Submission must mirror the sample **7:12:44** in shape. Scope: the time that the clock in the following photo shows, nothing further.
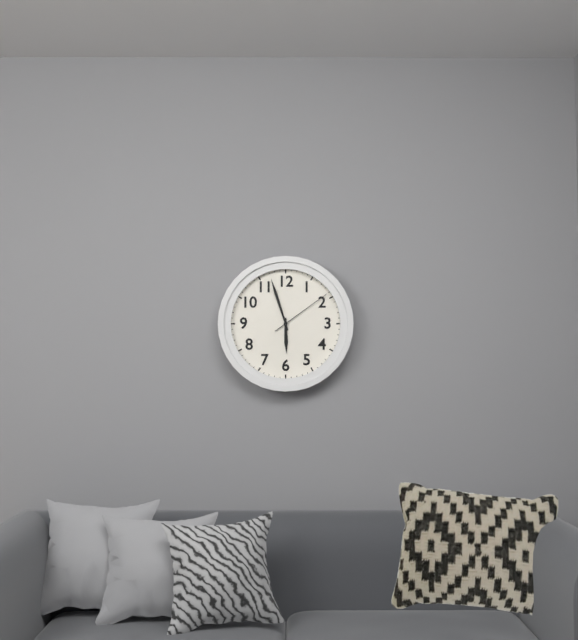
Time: **5:57:09**
